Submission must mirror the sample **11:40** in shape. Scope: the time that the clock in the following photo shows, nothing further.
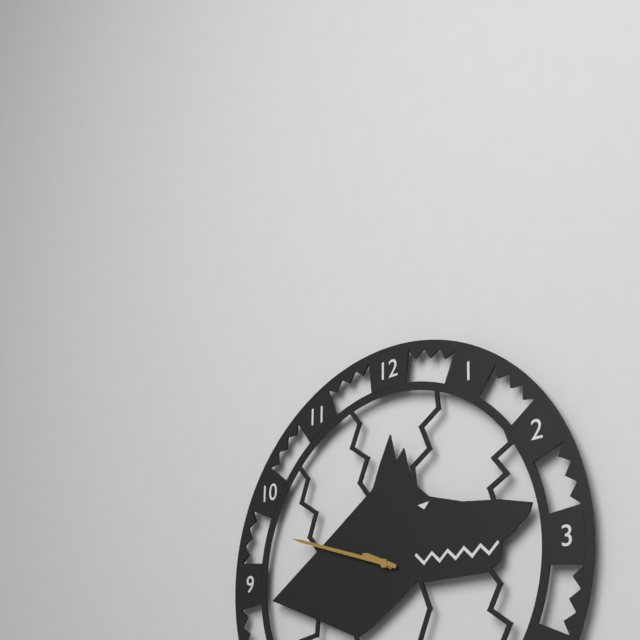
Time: **9:48**
